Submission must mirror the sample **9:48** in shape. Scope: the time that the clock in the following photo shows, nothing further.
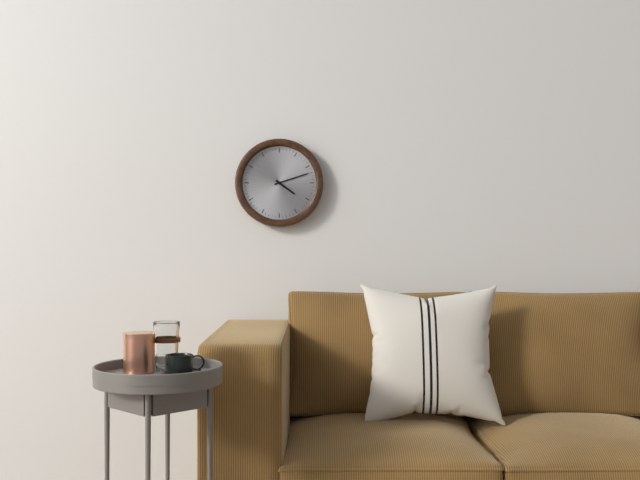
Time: **4:12**
